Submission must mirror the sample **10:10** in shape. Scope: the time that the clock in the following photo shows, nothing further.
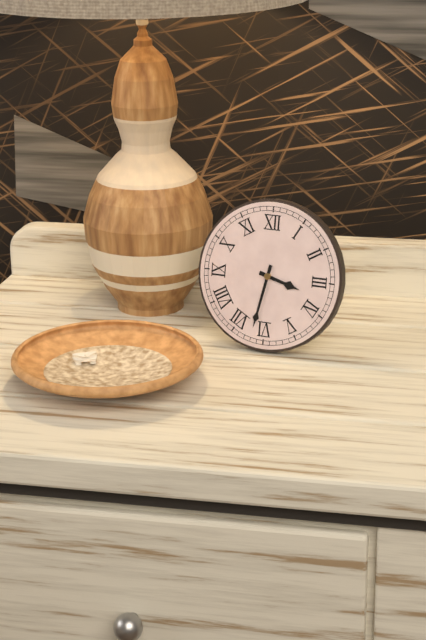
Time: **3:32**
